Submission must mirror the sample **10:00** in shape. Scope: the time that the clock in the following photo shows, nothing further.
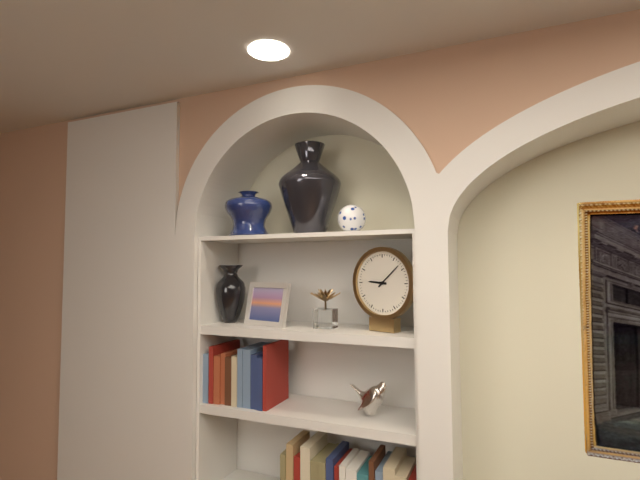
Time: **9:08**
